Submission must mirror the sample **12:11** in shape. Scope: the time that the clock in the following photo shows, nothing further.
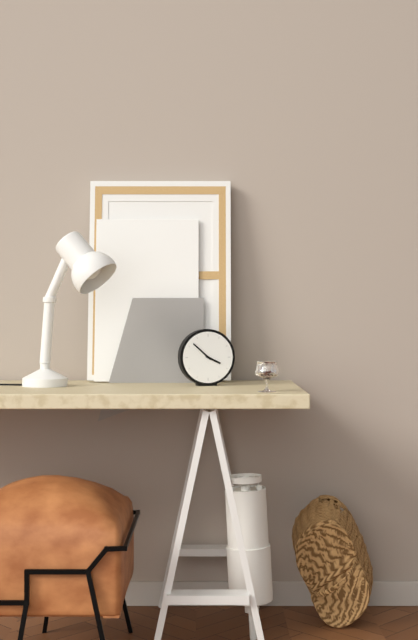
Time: **3:52**
